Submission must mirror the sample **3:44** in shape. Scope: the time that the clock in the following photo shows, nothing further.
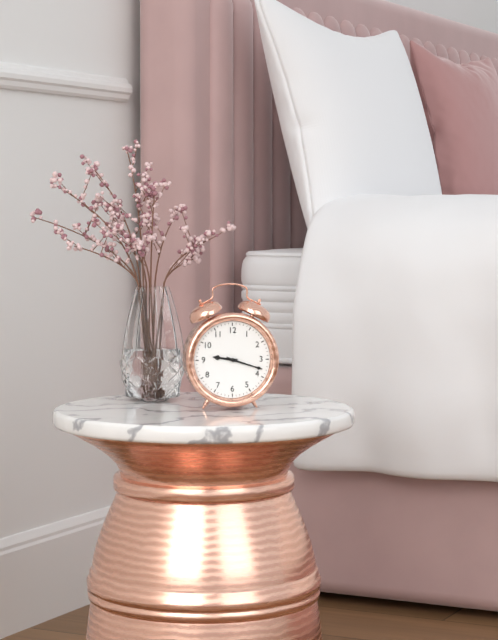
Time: **9:18**
